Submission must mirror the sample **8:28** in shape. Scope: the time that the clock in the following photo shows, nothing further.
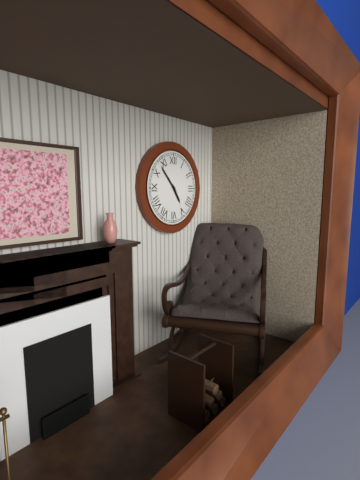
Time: **4:53**
